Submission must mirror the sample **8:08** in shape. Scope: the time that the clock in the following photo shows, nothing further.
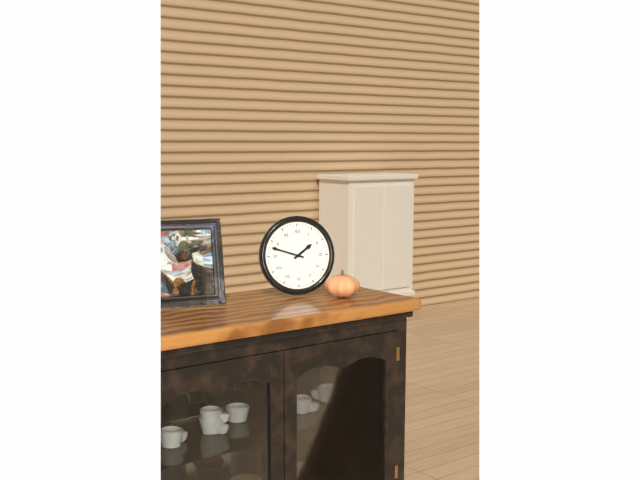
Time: **1:48**
